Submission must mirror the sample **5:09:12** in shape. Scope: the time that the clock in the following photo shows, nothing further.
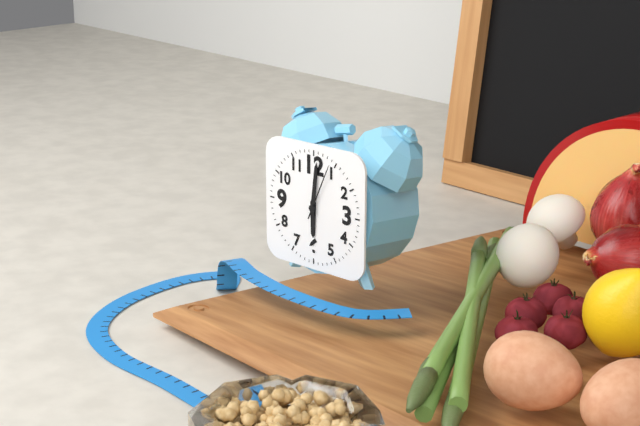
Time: **6:01:04**
